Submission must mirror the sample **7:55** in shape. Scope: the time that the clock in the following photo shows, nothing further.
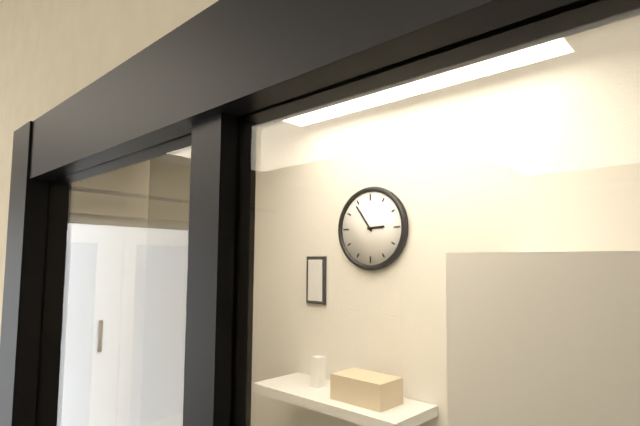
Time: **2:54**
